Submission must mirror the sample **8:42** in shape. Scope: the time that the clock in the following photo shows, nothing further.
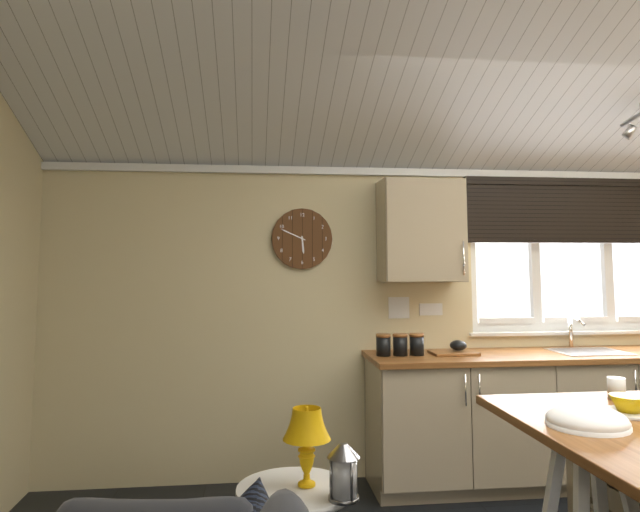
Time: **5:49**
